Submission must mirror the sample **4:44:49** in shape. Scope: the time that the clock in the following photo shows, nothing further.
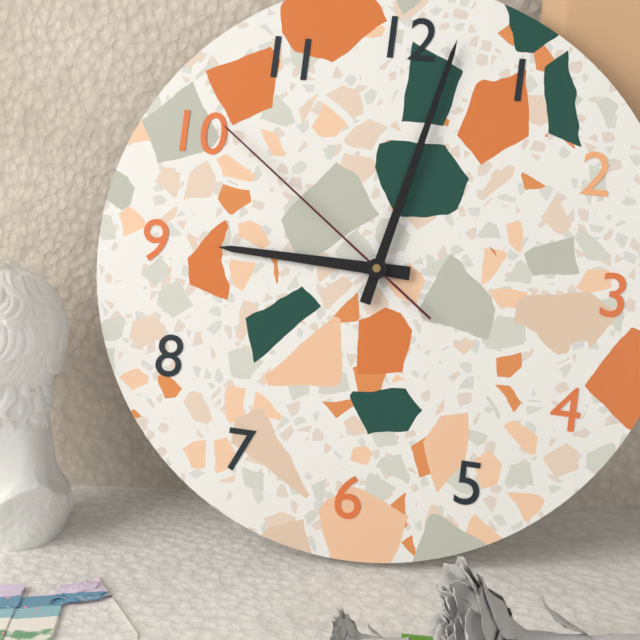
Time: **9:02:51**
